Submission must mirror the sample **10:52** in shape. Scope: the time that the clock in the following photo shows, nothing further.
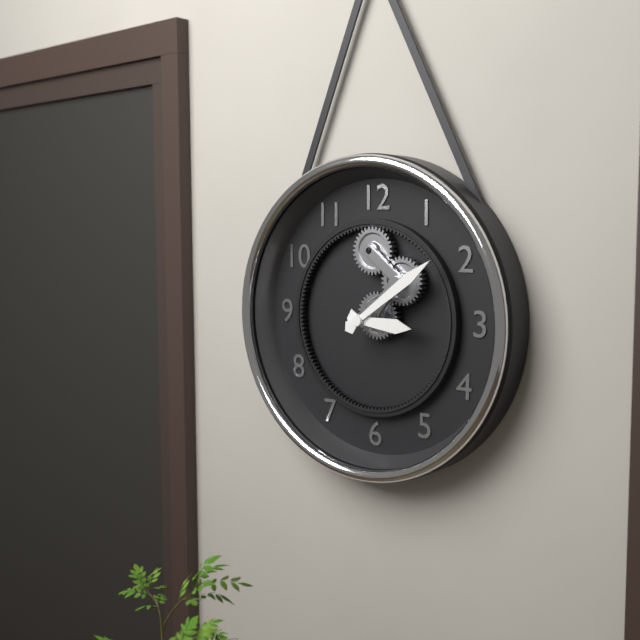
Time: **3:09**
